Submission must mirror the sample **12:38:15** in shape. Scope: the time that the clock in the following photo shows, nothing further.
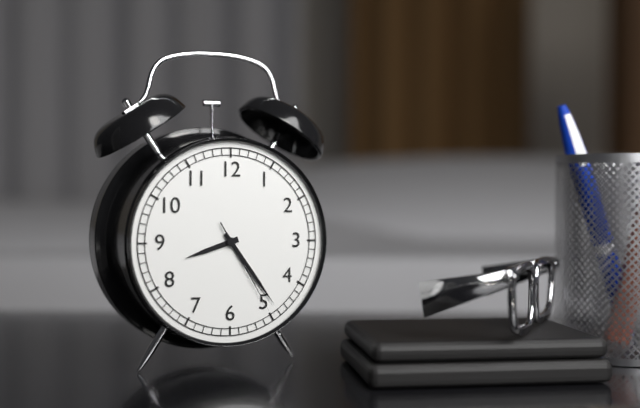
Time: **8:24:25**
